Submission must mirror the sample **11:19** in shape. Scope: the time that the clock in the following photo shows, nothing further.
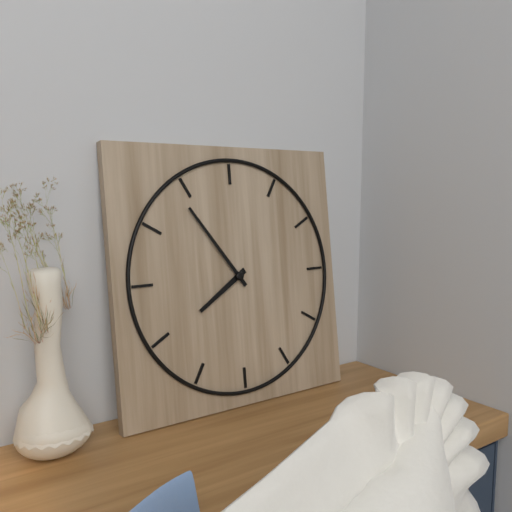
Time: **7:54**
